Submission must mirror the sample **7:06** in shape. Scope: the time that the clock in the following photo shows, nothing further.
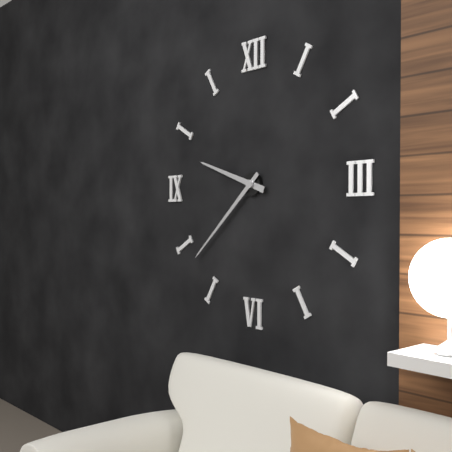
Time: **9:38**
